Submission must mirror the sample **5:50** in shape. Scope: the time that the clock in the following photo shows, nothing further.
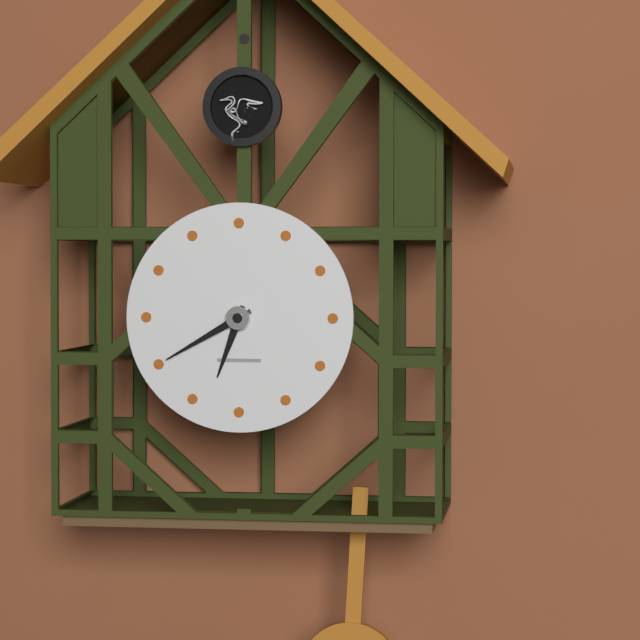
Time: **6:40**
